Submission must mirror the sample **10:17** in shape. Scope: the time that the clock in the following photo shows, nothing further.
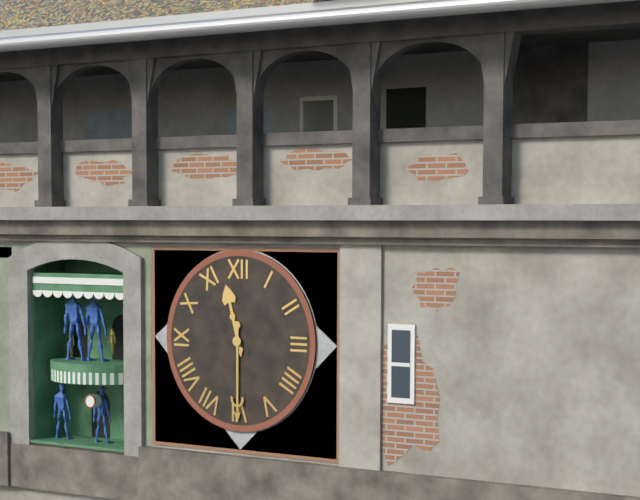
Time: **11:30**
